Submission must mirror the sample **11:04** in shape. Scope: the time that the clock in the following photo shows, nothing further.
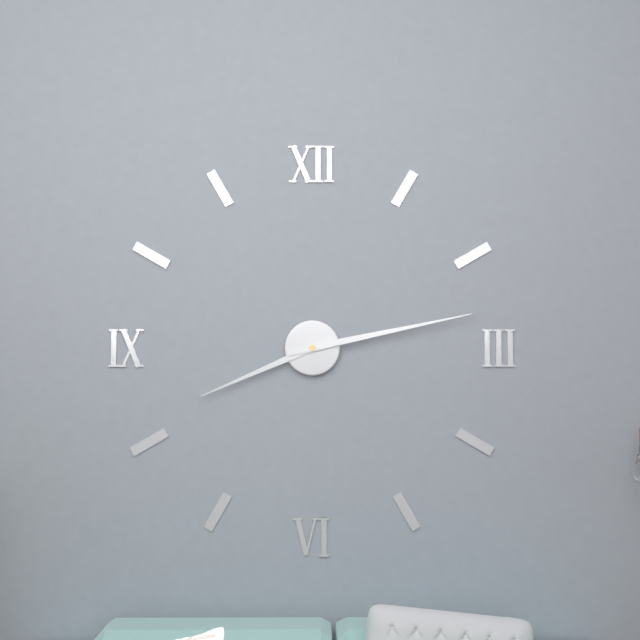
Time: **8:13**
